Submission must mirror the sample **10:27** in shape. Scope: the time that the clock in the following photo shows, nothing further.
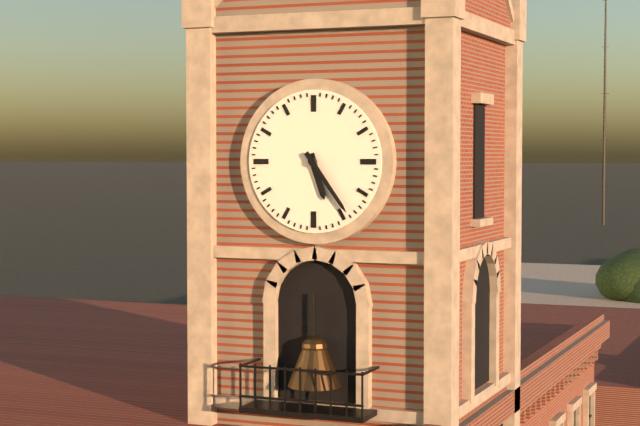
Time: **5:24**
